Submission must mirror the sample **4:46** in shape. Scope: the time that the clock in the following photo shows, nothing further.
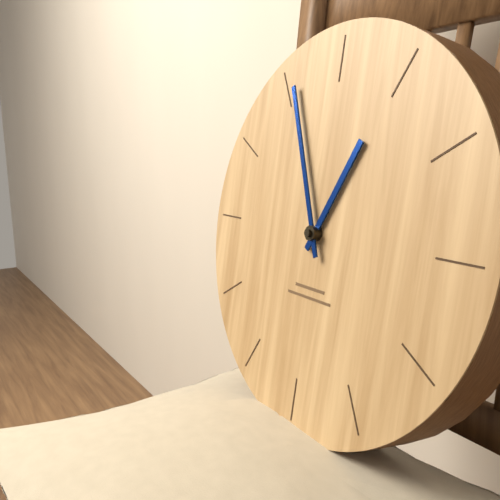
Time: **12:56**
